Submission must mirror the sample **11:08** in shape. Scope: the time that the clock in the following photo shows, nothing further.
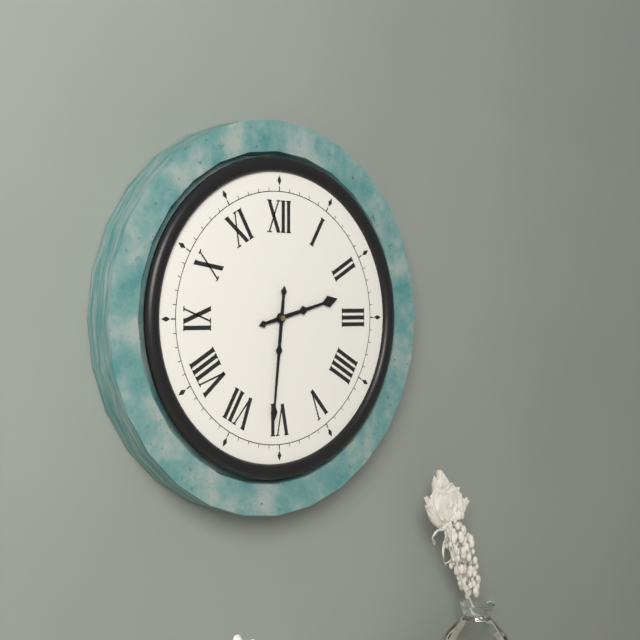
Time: **2:31**
